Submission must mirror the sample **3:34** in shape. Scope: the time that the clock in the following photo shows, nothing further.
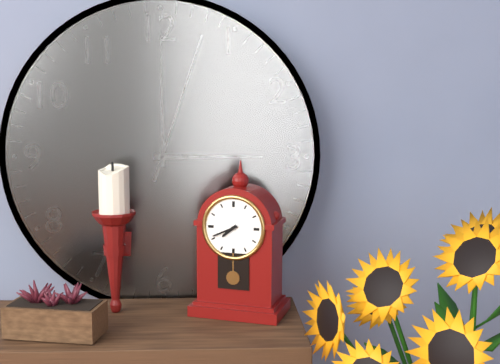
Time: **7:41**
